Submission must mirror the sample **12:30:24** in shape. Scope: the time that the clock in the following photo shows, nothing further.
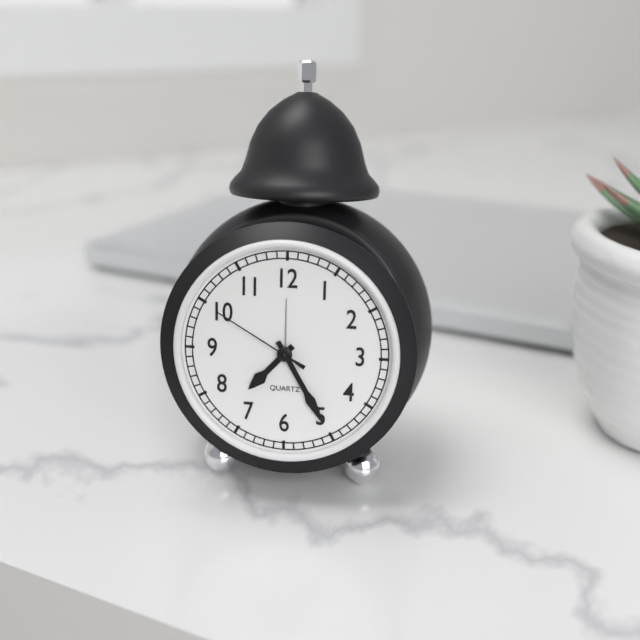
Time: **7:25:50**
